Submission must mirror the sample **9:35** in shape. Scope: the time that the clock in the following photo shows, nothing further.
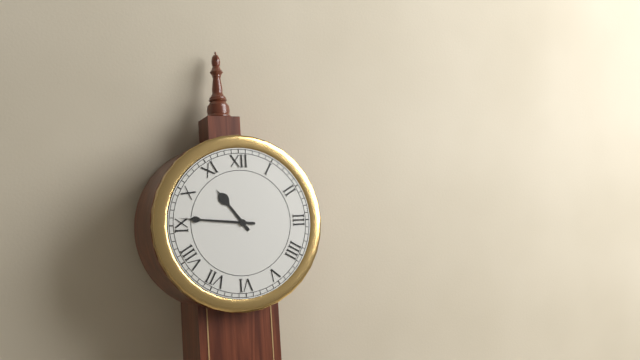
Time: **10:46**
